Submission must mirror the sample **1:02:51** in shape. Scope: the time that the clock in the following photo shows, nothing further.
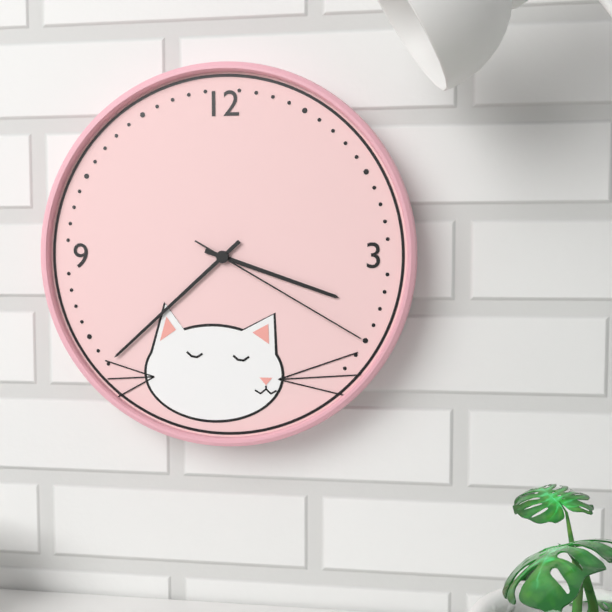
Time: **3:38:20**
